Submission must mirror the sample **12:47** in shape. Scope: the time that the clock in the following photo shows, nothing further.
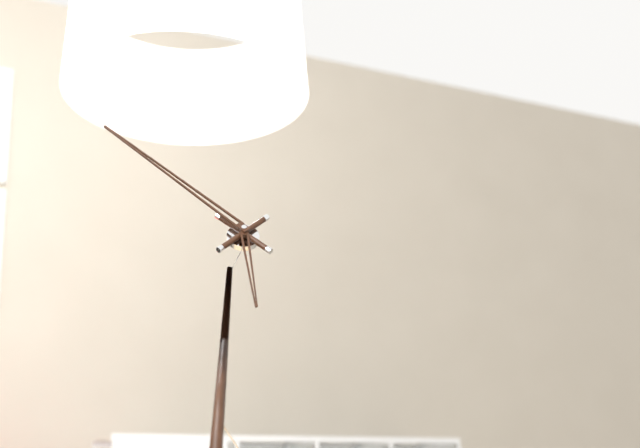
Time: **5:53**
